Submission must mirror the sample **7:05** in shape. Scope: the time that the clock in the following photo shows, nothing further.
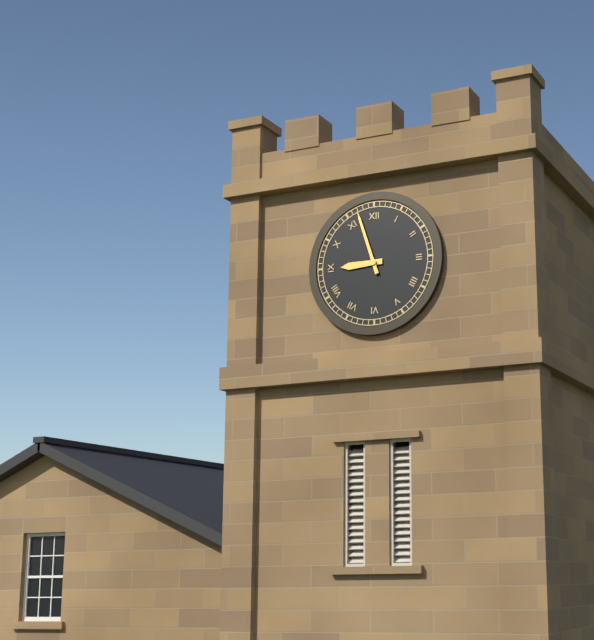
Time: **8:57**
